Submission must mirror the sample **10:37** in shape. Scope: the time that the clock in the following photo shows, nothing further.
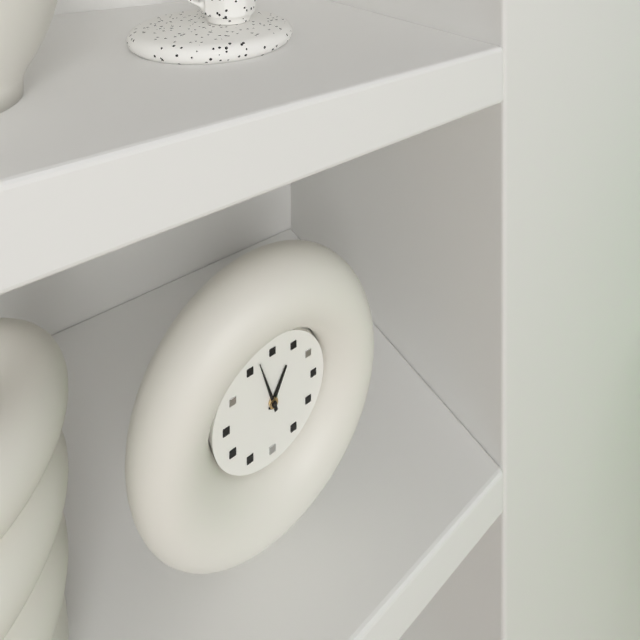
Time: **12:57**
